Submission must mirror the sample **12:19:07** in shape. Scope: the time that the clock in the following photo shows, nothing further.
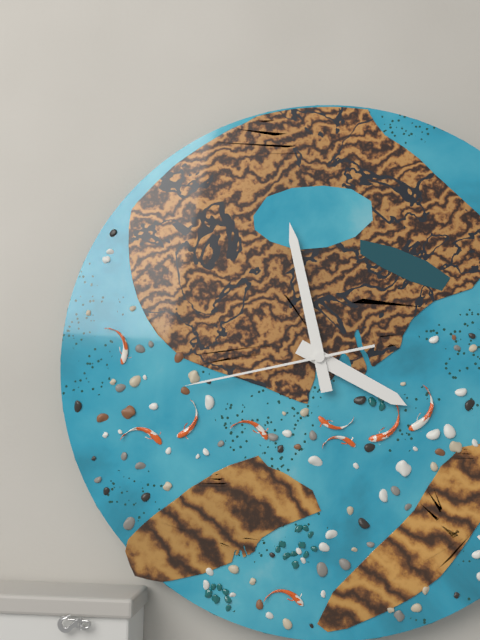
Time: **3:58:43**
